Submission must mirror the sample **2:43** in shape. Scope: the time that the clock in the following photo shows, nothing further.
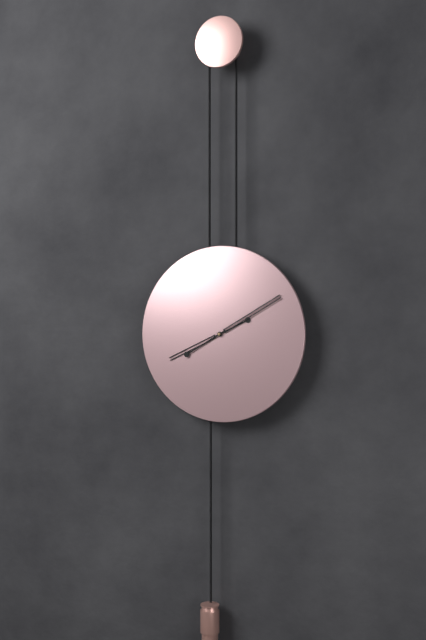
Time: **8:10**
